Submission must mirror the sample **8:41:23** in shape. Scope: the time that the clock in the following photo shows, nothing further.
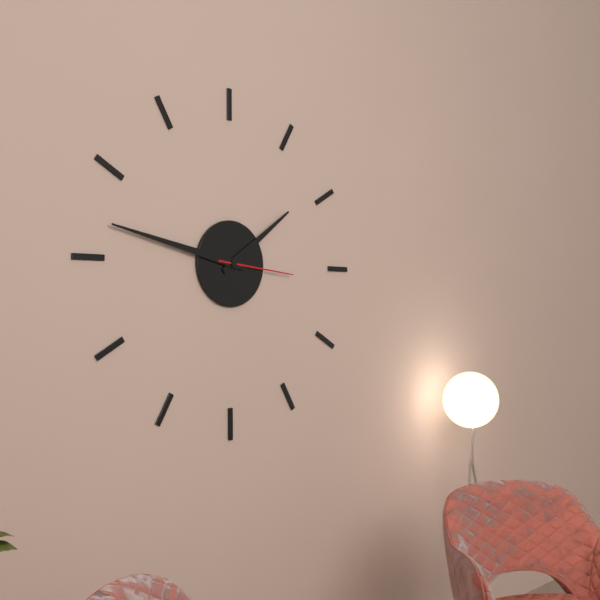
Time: **1:47:16**
